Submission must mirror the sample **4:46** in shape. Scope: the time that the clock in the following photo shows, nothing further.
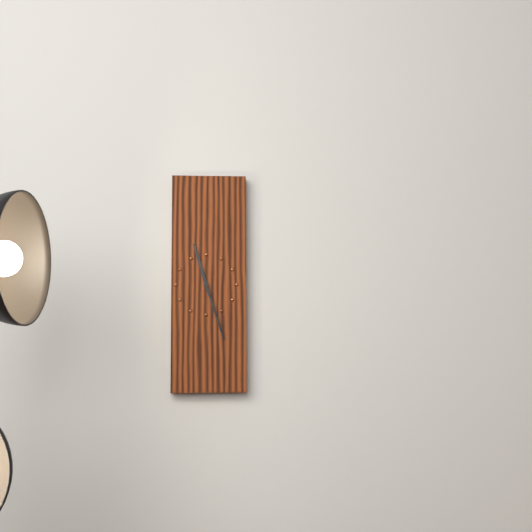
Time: **11:27**
